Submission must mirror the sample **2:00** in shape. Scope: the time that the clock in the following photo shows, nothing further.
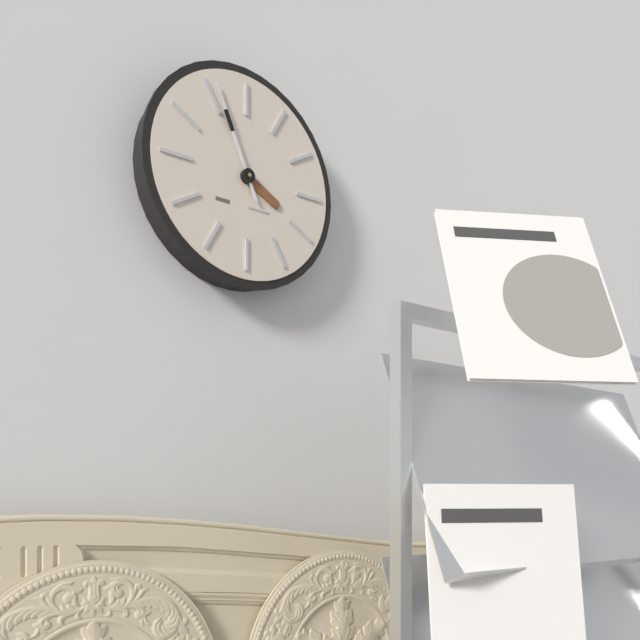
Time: **3:56**
